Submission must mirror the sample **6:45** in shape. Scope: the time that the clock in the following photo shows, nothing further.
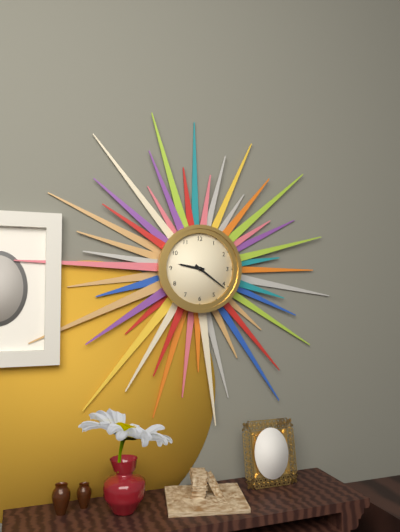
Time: **9:21**
